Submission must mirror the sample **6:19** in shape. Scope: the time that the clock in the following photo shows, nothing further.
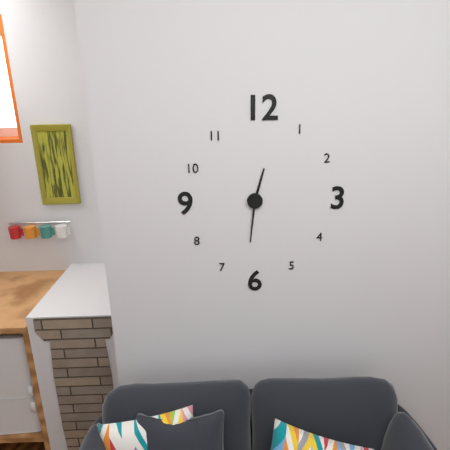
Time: **12:31**
